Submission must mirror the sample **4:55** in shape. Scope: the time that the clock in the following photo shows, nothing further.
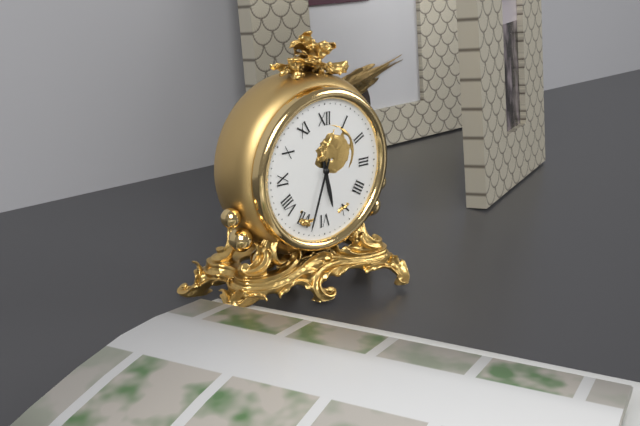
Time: **5:33**
